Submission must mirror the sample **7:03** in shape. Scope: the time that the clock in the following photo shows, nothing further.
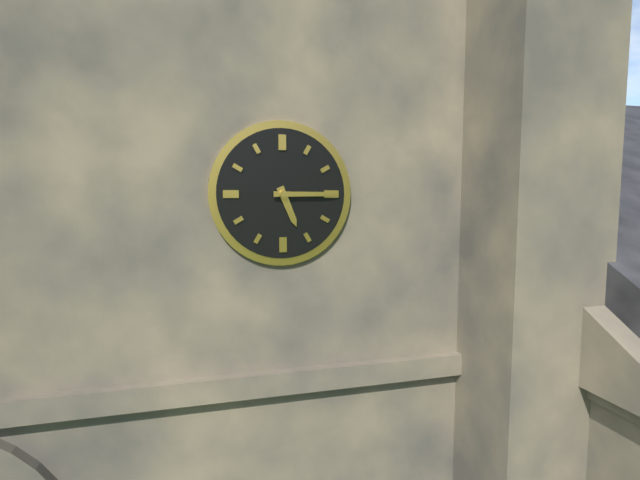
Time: **5:15**
